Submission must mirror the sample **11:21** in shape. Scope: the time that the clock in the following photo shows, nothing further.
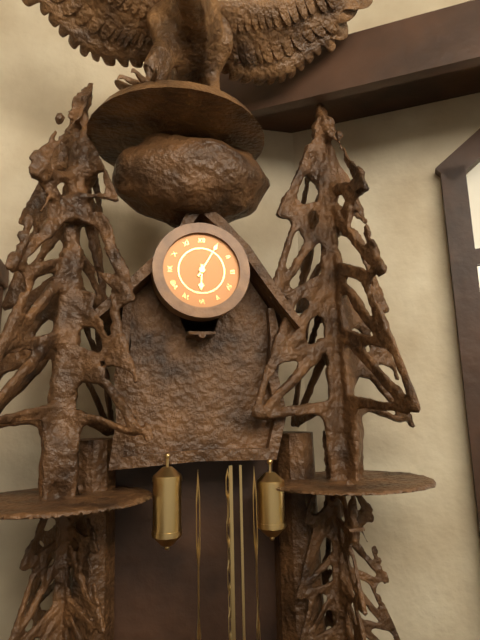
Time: **6:05**
